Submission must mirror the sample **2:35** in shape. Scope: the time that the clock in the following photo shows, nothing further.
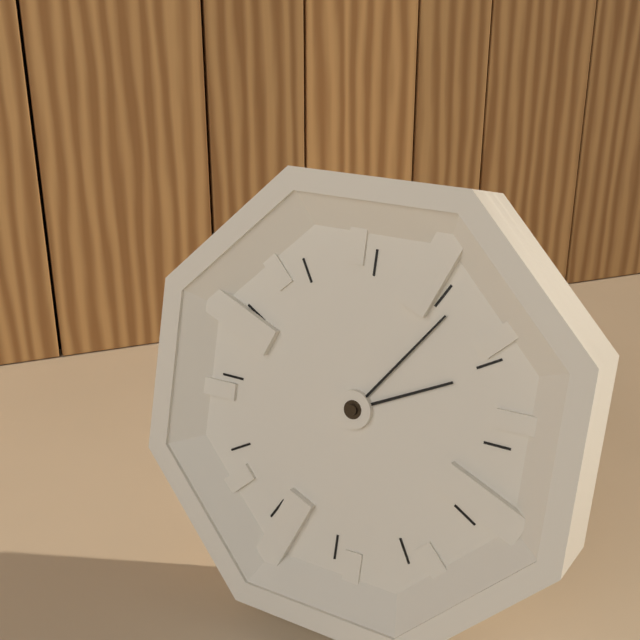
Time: **2:06**
